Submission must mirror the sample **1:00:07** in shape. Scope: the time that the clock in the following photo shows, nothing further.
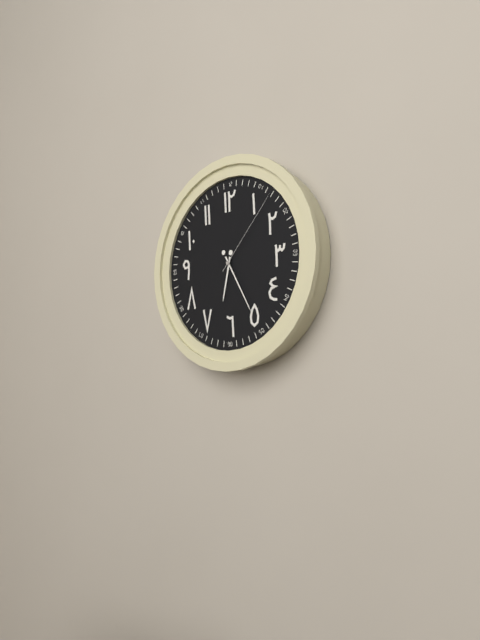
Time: **6:25:07**
